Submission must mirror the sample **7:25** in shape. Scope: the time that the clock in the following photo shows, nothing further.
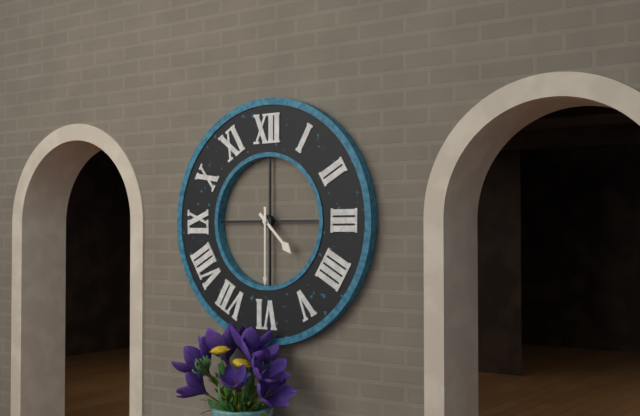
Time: **4:30**
